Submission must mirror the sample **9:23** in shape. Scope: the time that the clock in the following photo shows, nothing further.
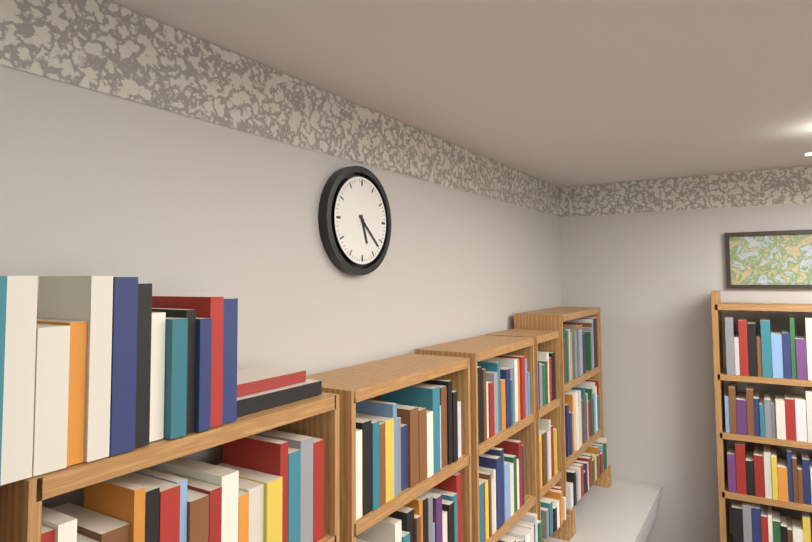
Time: **5:22**
